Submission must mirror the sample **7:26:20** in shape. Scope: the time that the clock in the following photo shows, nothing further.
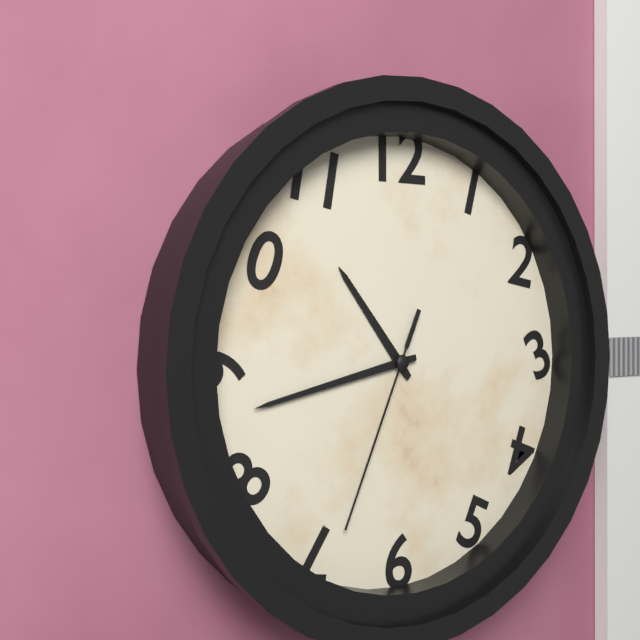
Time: **10:43:34**
